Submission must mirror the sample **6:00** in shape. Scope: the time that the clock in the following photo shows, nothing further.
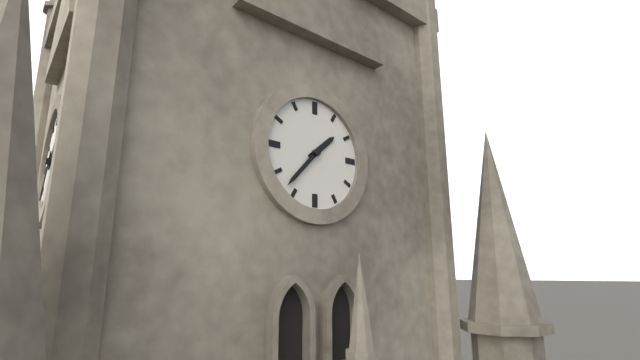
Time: **1:37**
